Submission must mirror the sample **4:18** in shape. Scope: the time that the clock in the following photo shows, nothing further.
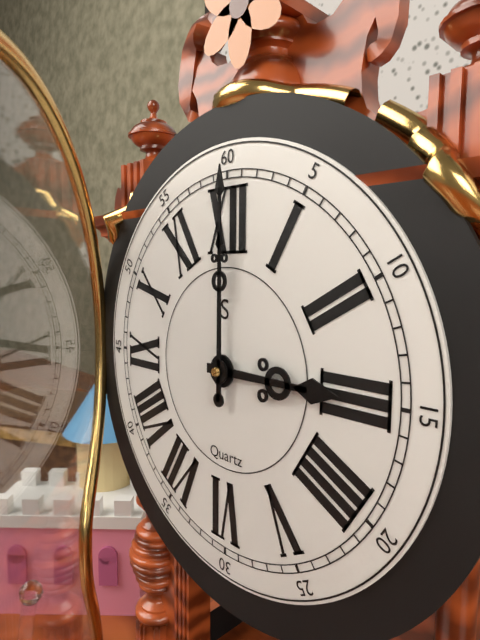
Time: **3:00**
